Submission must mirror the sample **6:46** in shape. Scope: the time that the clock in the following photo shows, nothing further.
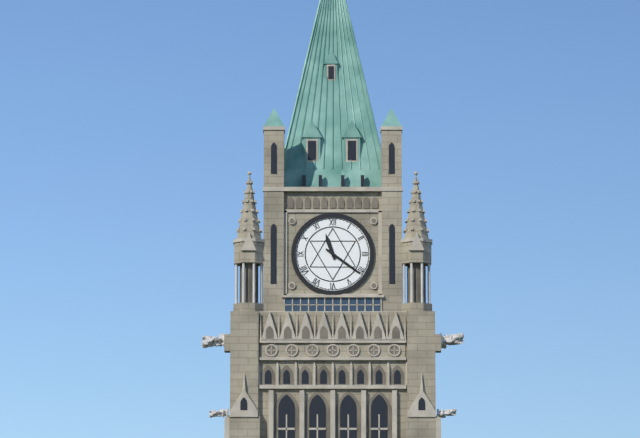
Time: **11:21**
